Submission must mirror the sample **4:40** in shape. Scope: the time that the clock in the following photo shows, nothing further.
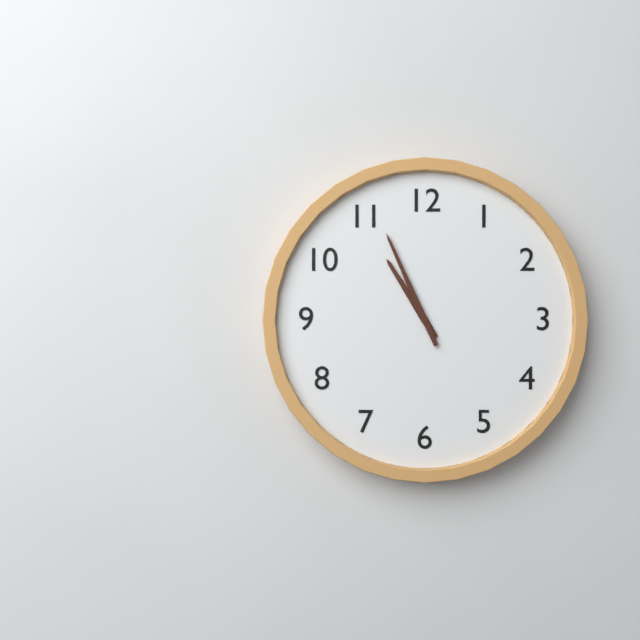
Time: **10:56**
